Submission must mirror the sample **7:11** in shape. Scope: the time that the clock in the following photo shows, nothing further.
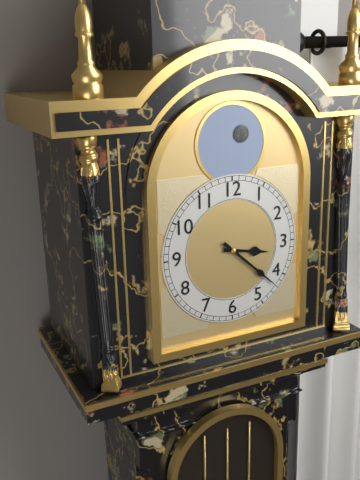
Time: **3:22**
